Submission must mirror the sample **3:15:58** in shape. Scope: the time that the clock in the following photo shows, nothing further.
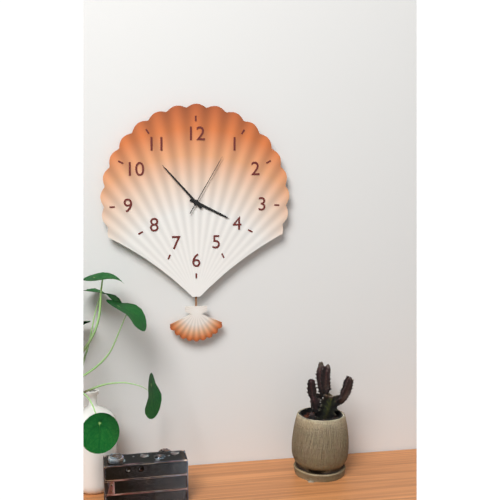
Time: **3:53:05**
